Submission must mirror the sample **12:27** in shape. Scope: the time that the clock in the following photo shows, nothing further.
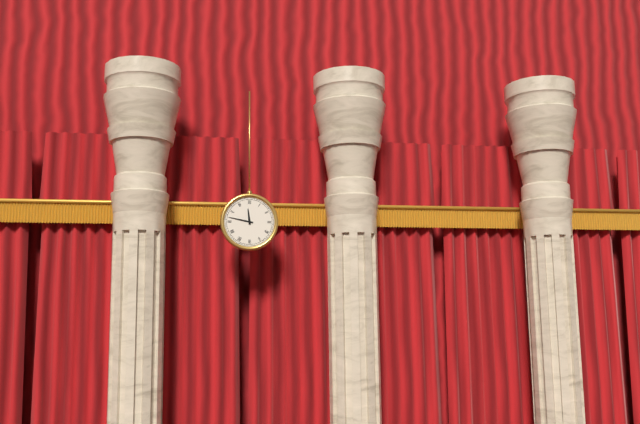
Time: **11:47**
